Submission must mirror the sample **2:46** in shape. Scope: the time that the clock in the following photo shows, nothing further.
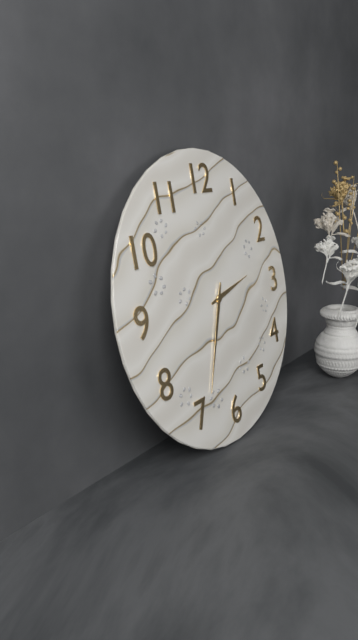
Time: **2:34**
